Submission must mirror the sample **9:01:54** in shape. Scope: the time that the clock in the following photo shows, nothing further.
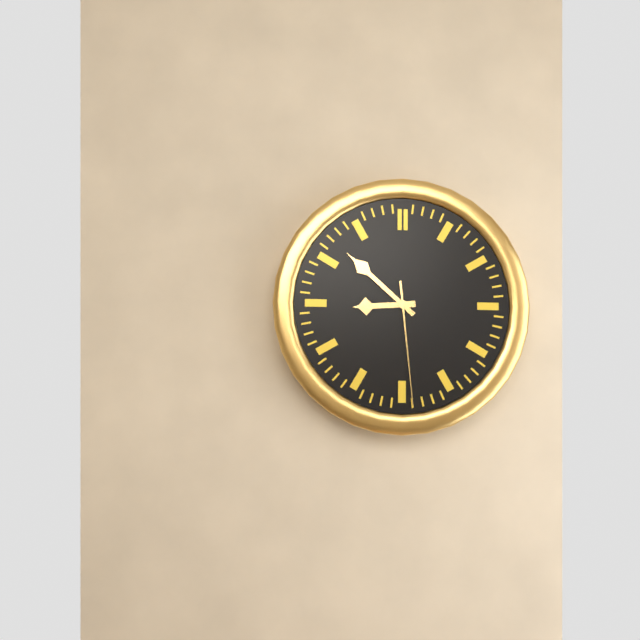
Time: **8:52:29**
